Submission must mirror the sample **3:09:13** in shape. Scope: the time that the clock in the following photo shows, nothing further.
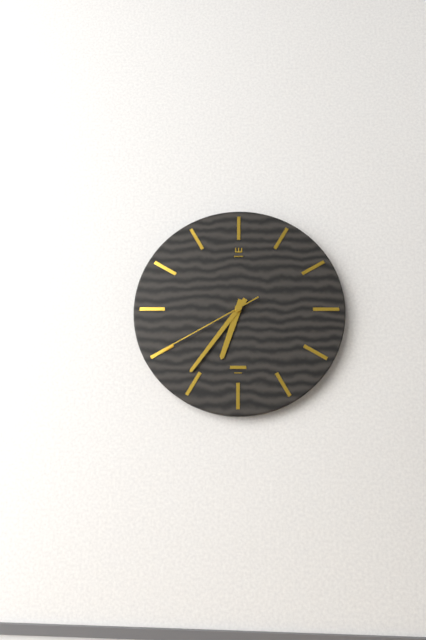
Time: **6:36:40**
